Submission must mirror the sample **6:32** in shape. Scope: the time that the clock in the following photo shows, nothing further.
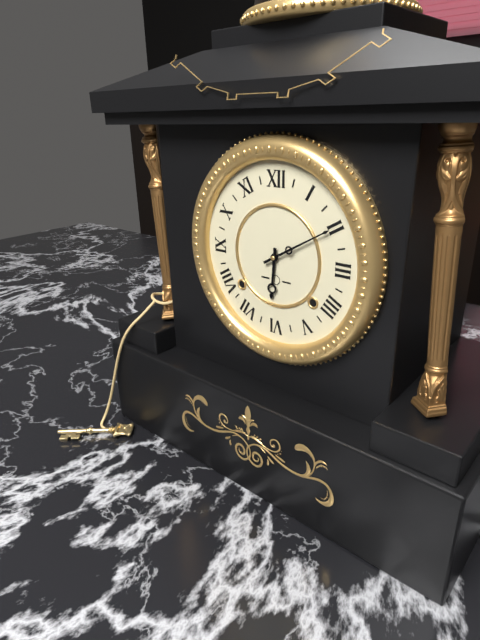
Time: **6:10**
